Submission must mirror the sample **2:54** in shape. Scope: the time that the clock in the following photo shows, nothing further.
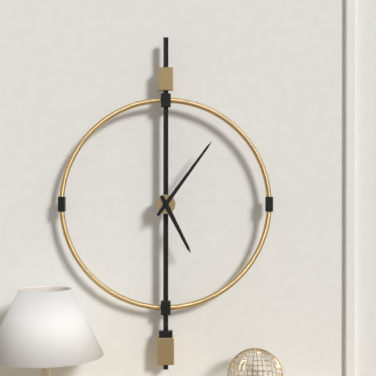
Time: **5:06**
